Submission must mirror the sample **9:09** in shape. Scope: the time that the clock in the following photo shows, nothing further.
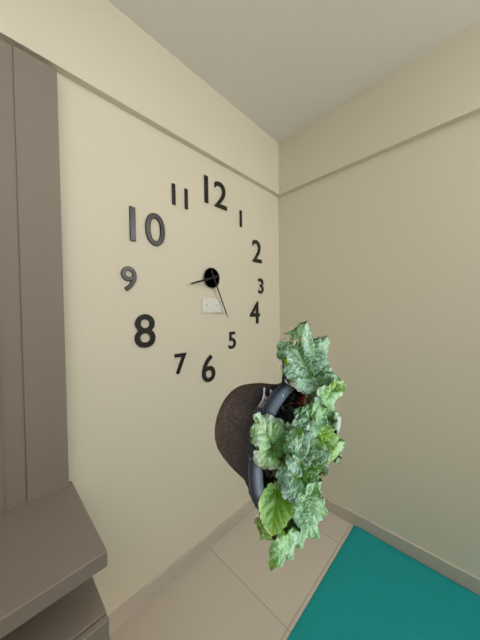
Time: **8:26**
